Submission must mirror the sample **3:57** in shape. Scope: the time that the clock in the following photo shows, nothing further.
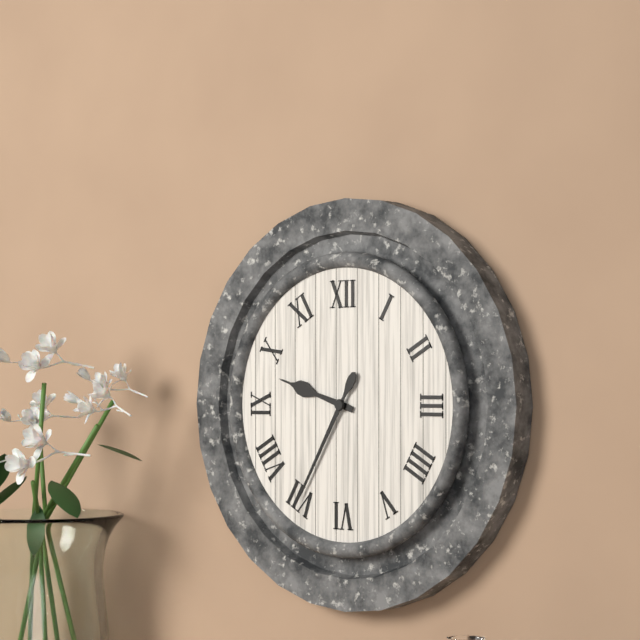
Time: **9:35**
